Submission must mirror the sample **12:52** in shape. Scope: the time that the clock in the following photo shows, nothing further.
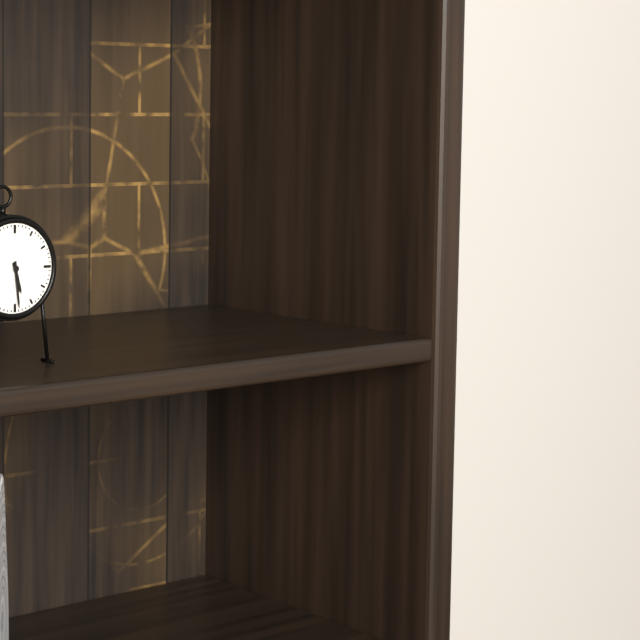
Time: **5:29**
